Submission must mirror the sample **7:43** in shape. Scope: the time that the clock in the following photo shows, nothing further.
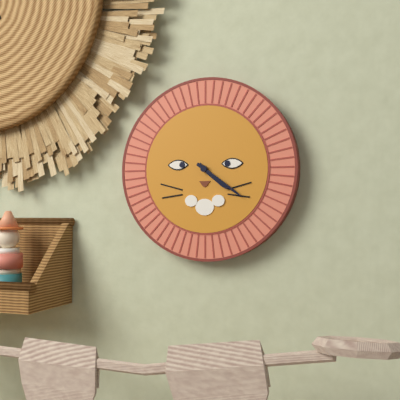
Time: **4:21**
